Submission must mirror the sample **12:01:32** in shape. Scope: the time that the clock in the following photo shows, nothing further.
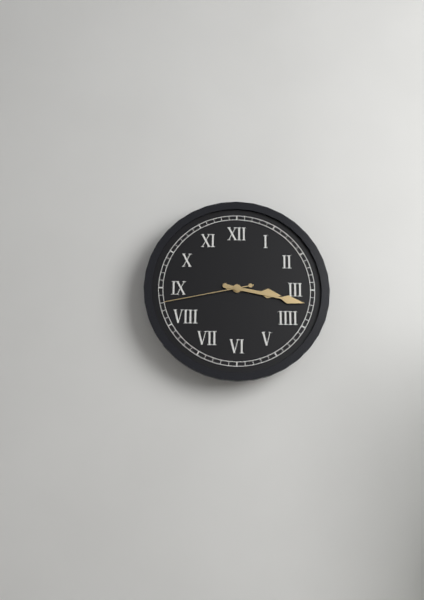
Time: **3:17:43**
